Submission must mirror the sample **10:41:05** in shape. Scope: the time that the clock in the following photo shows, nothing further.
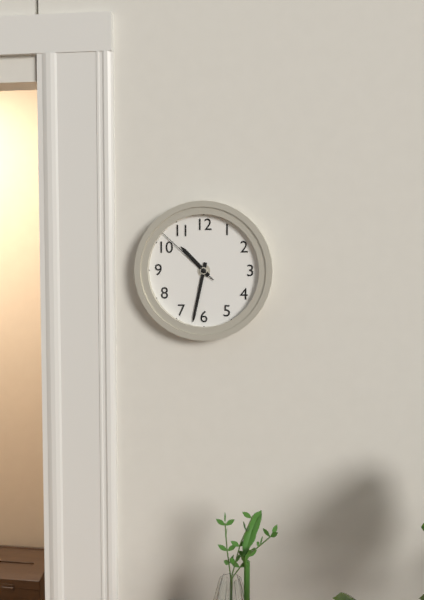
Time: **10:32:52**
